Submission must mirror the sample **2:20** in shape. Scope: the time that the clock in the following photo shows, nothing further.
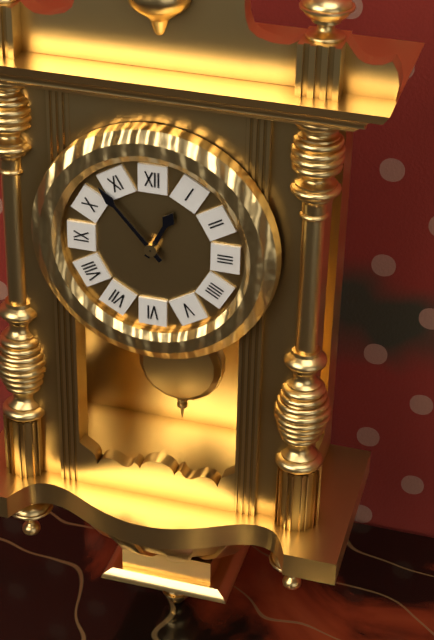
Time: **12:53**
